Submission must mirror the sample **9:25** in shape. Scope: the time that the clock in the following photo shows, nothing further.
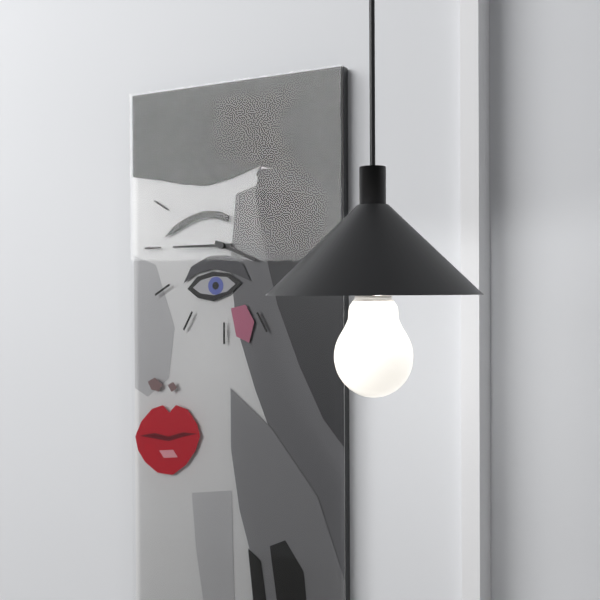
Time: **3:45**
